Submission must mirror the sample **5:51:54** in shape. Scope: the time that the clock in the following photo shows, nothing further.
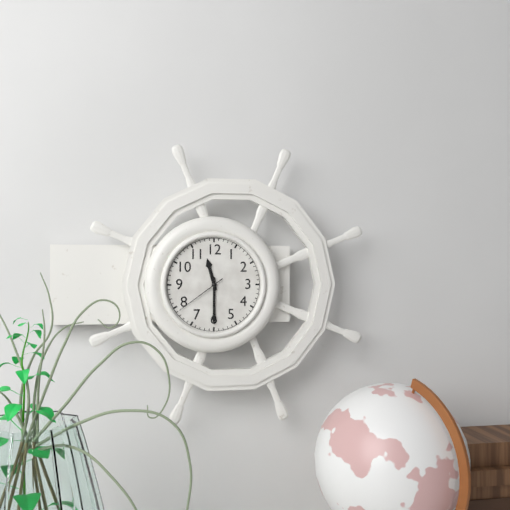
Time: **11:30:39**
